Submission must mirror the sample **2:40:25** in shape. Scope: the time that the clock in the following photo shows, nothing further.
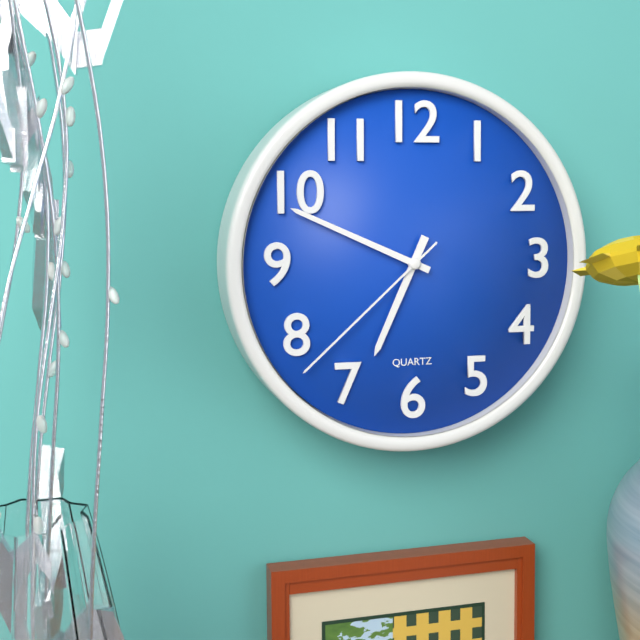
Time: **6:49:38**
